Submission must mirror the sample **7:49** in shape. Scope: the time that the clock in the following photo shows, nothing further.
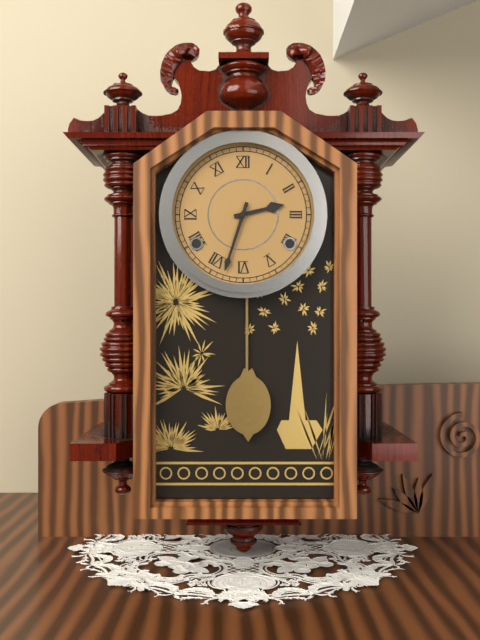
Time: **2:33**
